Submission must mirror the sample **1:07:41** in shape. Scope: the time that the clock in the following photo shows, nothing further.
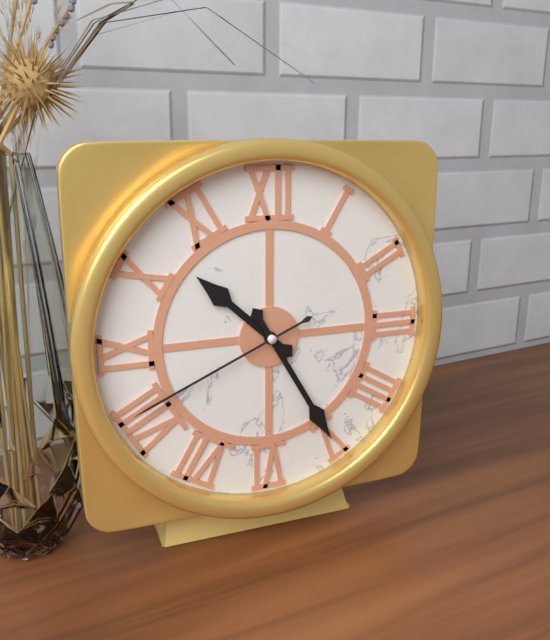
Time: **10:25:41**
